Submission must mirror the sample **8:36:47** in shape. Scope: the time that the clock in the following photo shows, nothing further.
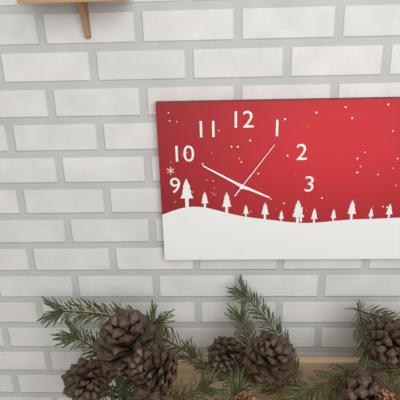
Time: **3:50:06**
